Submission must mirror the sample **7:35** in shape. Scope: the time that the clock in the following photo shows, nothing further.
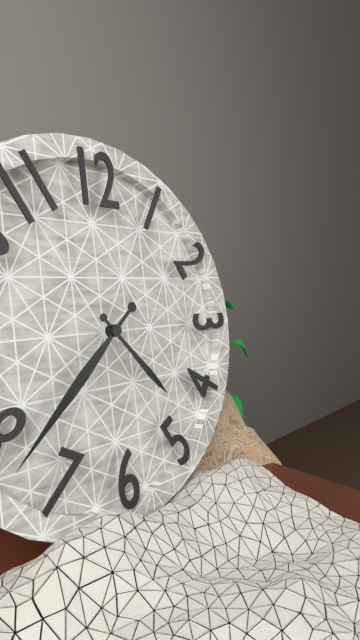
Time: **4:38**
